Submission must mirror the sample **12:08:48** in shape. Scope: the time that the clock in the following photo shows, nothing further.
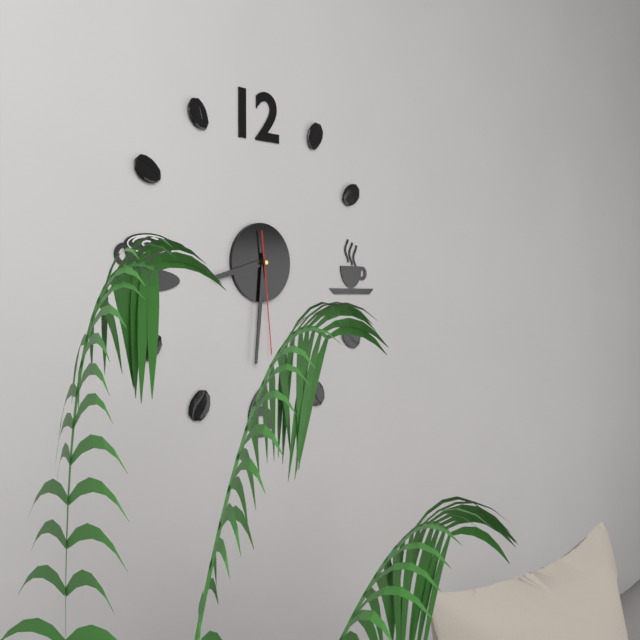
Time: **8:31:29**
